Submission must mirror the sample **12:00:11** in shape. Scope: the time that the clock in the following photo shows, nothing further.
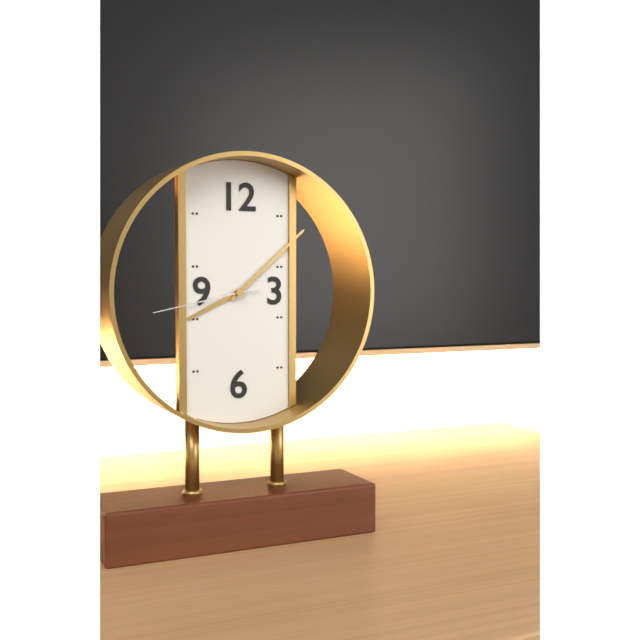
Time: **8:08:43**
